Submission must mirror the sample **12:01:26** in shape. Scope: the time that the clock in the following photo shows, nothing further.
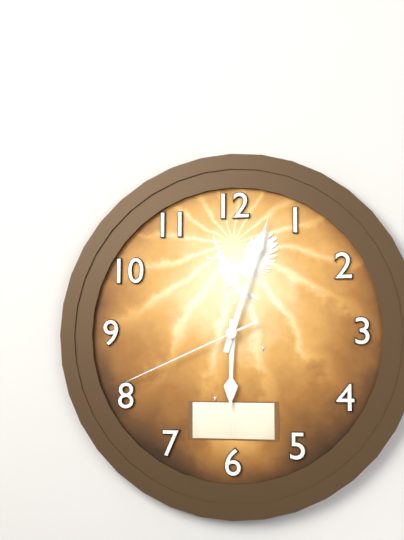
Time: **6:03:41**
